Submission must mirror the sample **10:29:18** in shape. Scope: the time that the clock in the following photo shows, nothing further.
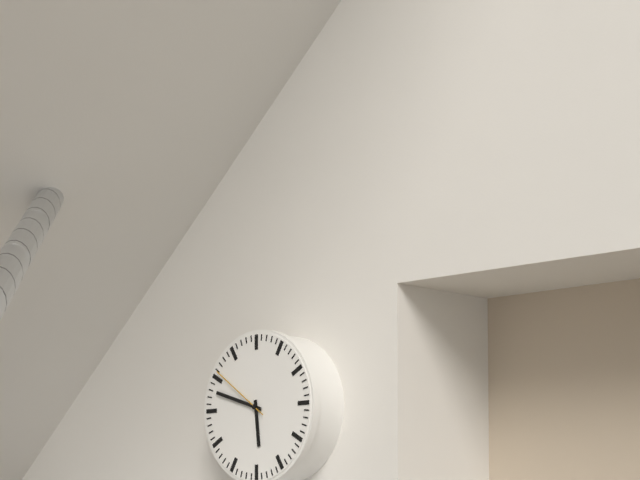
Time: **5:48:51**
